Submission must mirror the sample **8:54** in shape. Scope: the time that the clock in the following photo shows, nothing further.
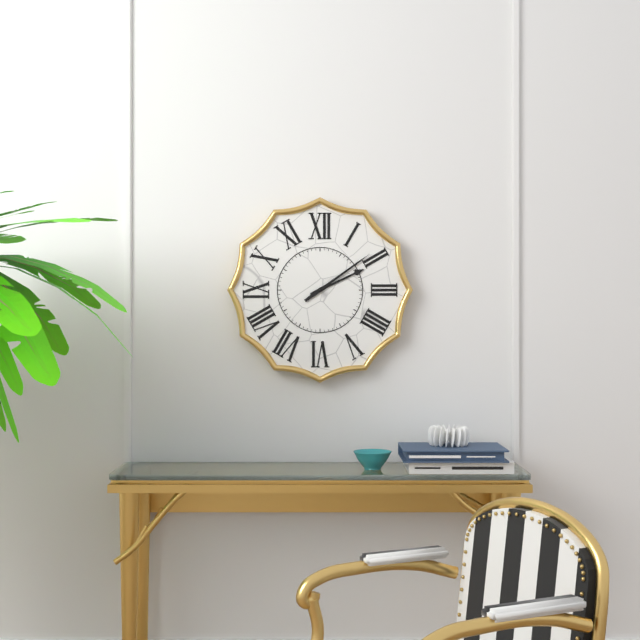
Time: **2:09**
